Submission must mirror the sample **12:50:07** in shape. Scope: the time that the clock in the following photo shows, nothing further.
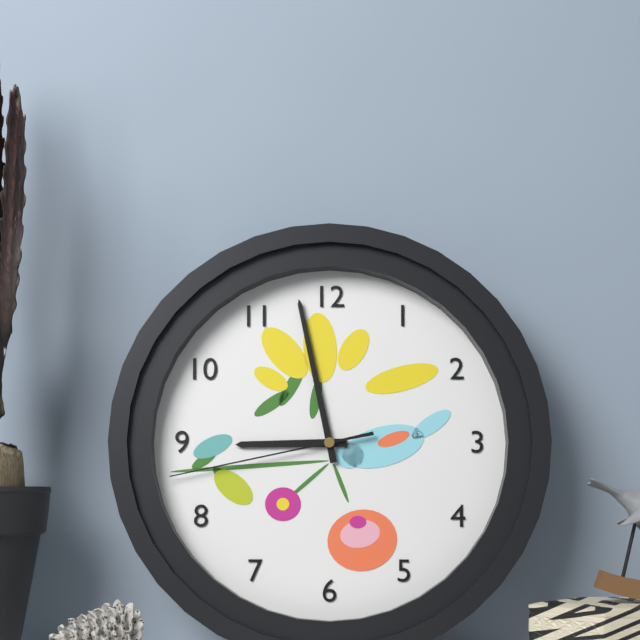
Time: **8:58:43**
